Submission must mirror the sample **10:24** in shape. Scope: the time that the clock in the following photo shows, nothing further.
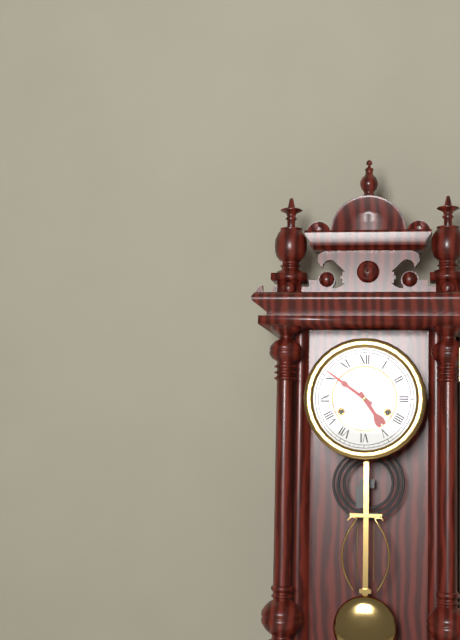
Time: **4:51**
